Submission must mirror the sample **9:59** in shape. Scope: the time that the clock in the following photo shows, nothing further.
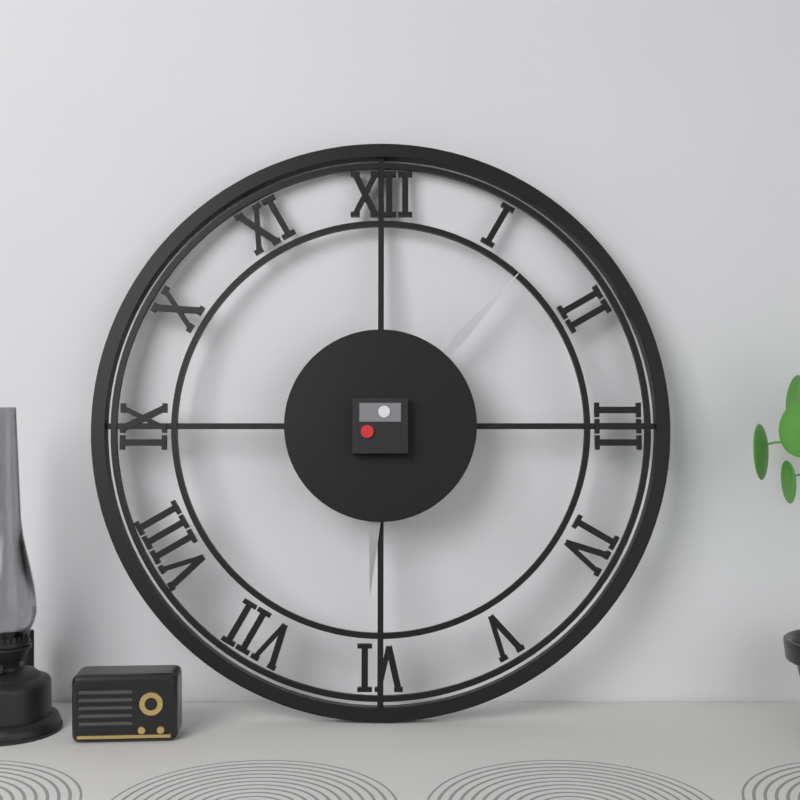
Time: **6:07**
